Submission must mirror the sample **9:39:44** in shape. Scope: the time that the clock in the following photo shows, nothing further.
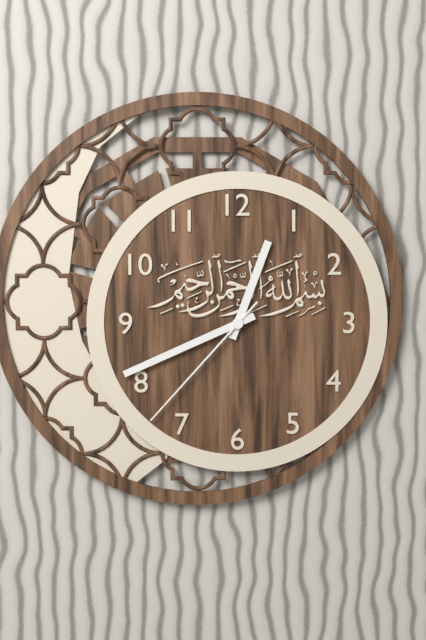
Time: **12:41:37**
